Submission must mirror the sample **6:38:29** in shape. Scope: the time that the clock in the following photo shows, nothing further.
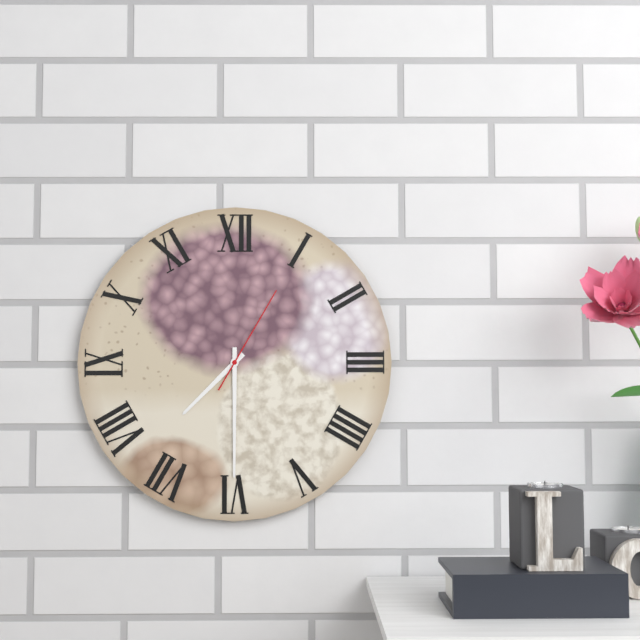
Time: **7:30:05**
